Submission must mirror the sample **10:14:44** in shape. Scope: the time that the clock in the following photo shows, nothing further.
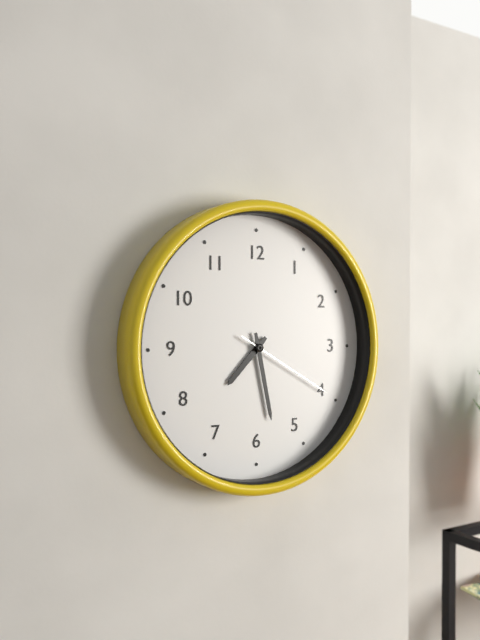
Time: **7:28:20**
